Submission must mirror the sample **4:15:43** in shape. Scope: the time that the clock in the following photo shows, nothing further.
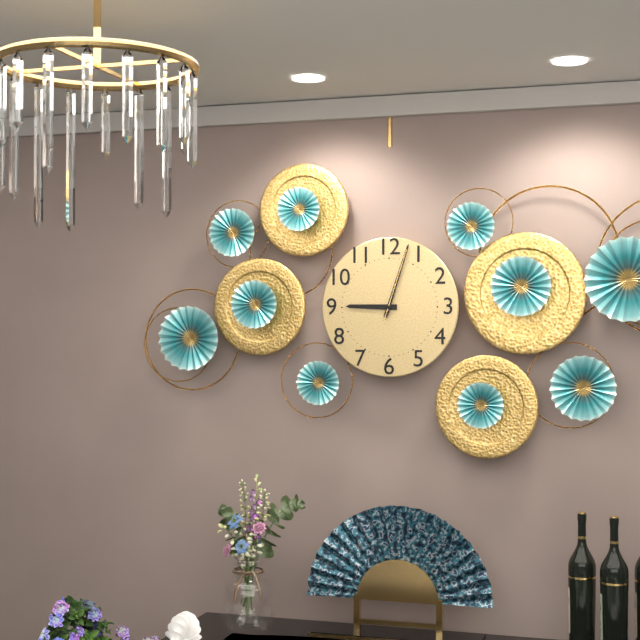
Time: **9:03:03**
